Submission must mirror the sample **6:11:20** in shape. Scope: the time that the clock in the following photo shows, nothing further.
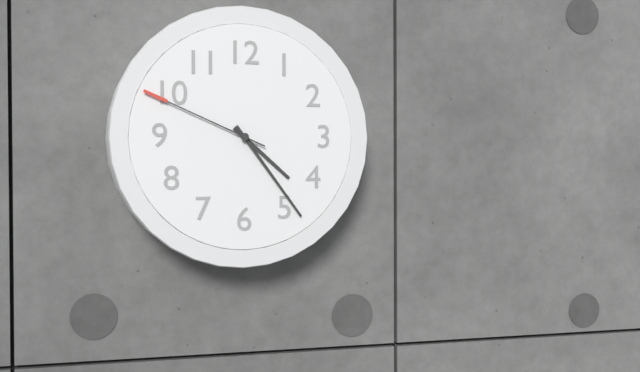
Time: **4:24:49**
